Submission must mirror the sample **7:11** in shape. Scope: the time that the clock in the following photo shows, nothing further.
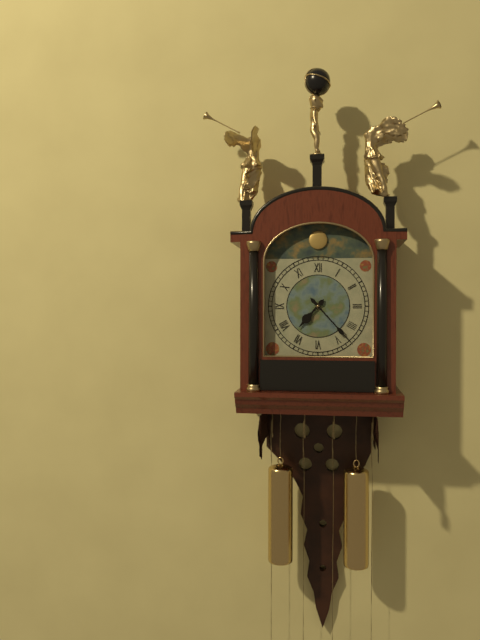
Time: **7:23**
